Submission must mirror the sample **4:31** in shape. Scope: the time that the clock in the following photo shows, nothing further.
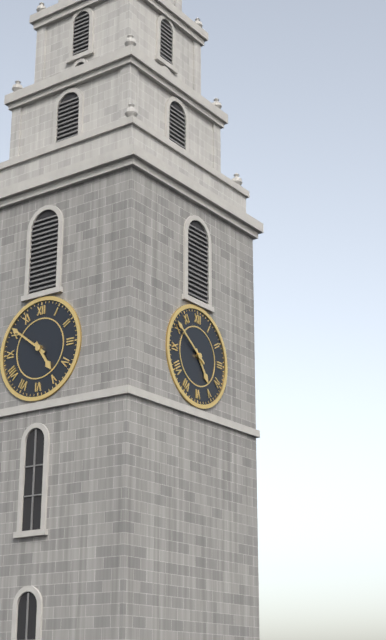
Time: **4:51**
